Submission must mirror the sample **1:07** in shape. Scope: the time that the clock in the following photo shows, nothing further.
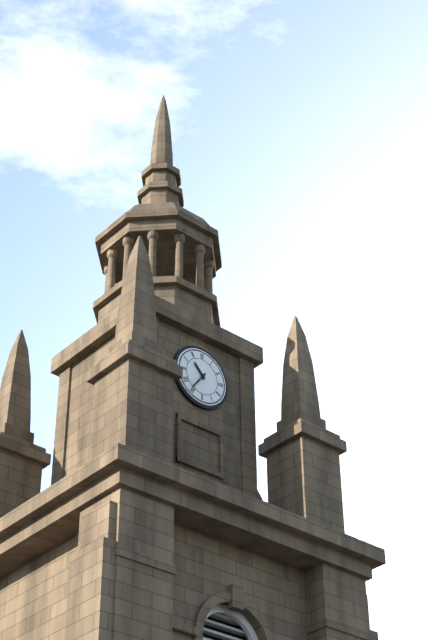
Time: **10:36**
